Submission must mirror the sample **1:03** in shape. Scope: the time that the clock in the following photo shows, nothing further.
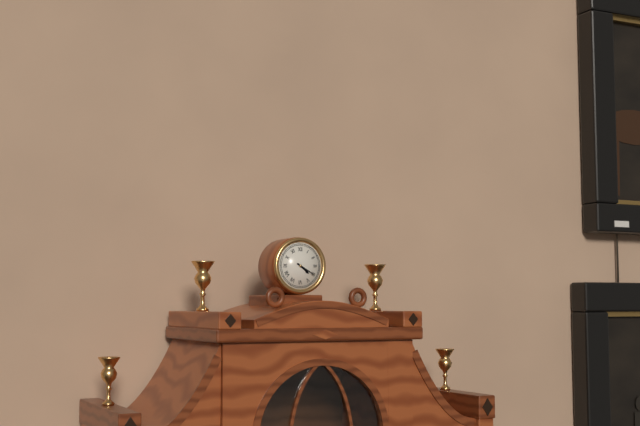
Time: **4:20**
